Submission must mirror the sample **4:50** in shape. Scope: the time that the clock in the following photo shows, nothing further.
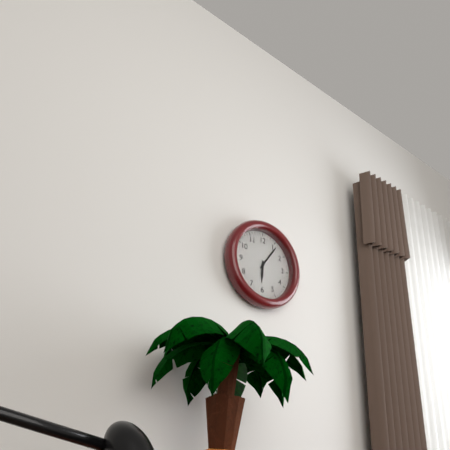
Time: **6:06**
